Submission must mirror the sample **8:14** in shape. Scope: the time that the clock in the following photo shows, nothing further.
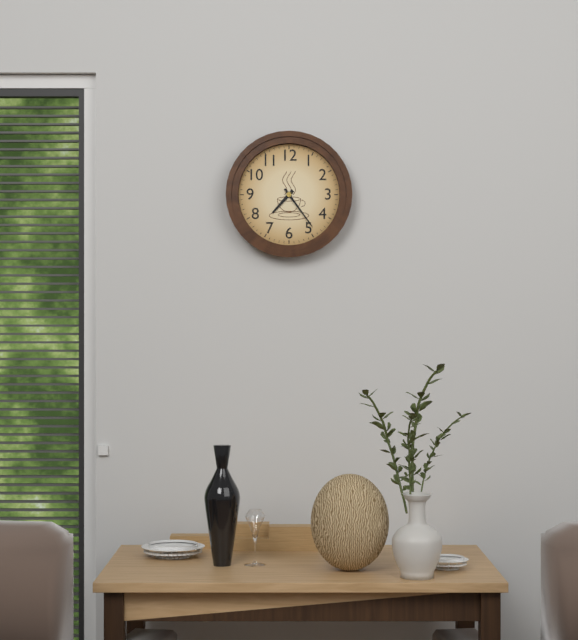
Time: **7:24**
